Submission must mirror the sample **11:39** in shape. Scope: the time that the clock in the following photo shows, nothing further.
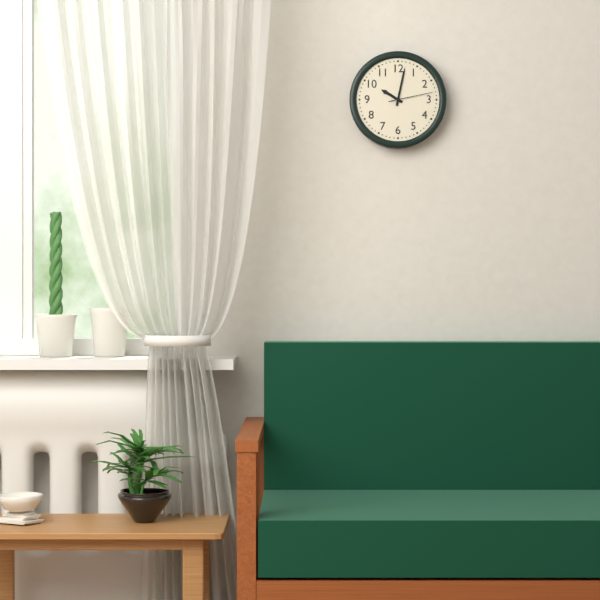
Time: **10:02**
